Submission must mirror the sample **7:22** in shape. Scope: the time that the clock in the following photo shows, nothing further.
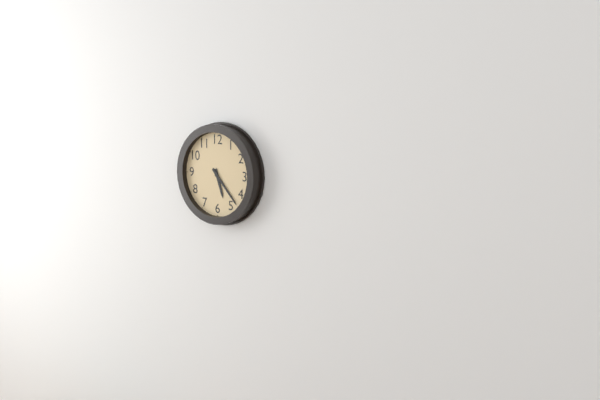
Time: **5:23**
